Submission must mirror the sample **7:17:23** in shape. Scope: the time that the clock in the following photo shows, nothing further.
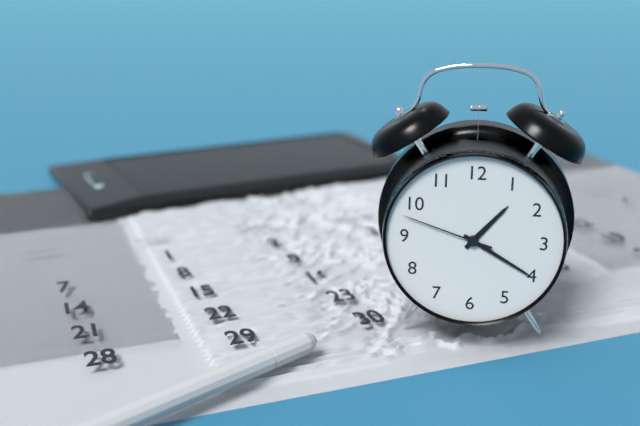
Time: **1:20:48**
